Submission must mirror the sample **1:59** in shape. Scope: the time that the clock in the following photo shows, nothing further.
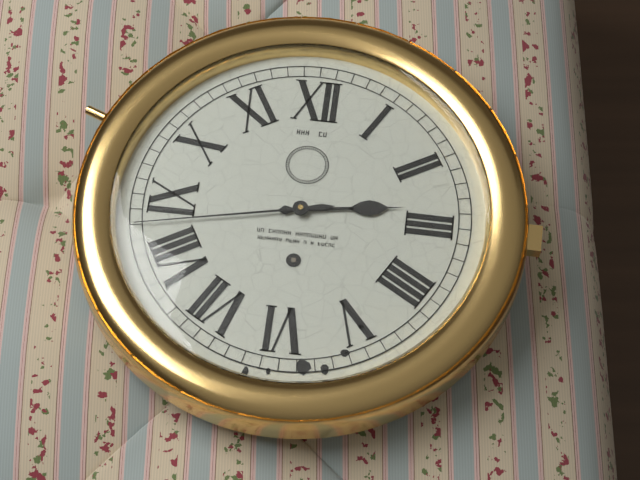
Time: **2:43**
